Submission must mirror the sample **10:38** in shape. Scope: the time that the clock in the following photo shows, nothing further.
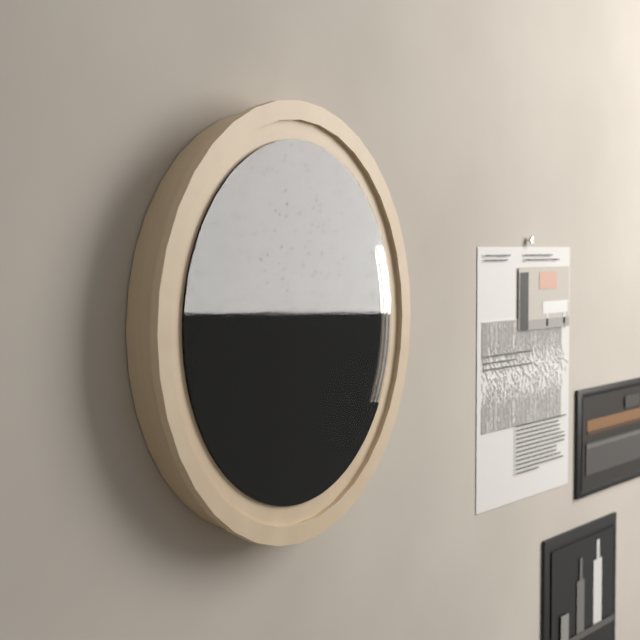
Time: **11:26**
